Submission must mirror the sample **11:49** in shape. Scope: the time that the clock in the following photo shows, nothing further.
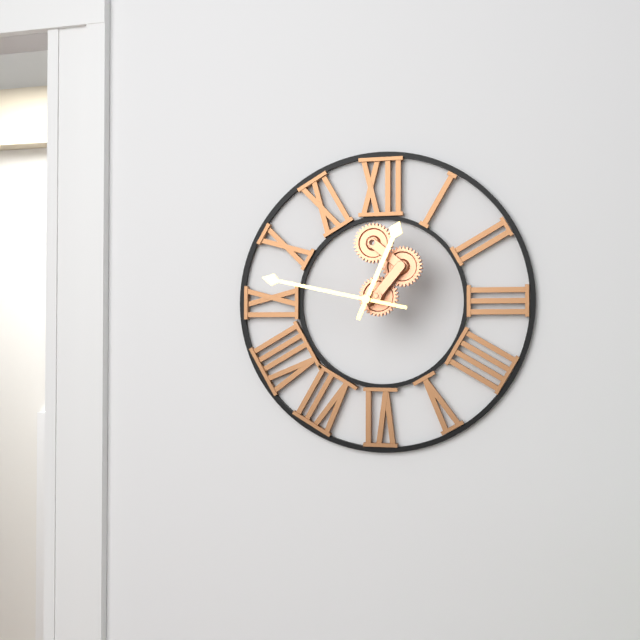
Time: **12:47**
